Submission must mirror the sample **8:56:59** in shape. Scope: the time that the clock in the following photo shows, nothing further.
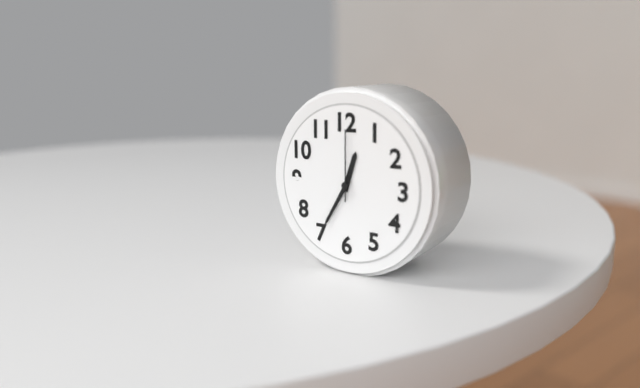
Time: **12:35:00**
